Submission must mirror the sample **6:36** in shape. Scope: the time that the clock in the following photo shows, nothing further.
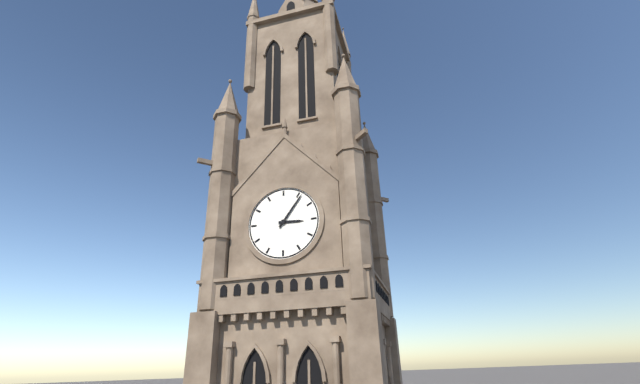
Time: **3:06**
